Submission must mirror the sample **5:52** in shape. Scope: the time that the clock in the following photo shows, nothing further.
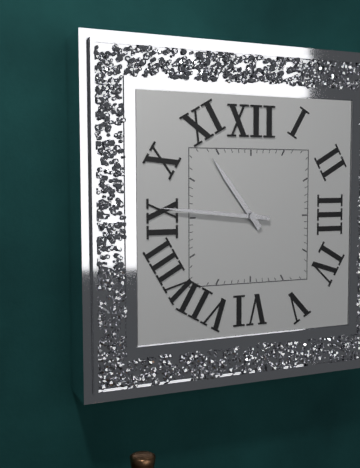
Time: **10:46**
